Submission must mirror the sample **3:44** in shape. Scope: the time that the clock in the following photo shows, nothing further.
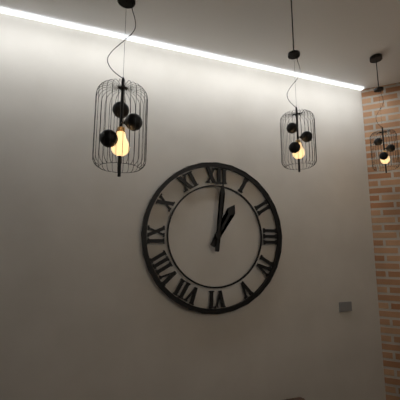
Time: **1:01**
